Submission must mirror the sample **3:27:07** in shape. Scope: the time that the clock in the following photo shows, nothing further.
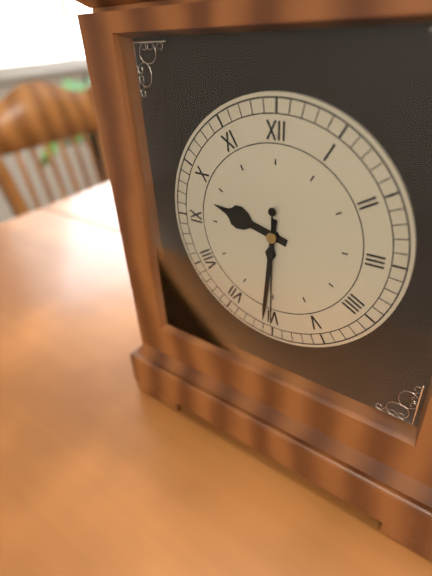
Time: **9:31:30**
